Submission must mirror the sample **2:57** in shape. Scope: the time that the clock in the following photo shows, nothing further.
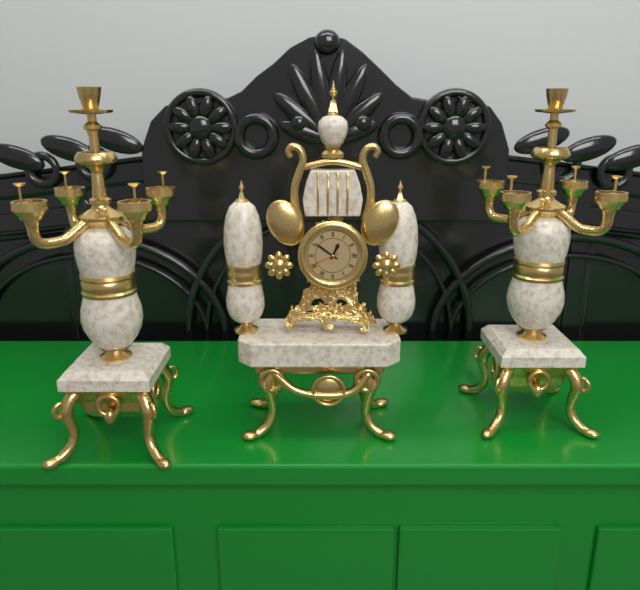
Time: **12:51**
